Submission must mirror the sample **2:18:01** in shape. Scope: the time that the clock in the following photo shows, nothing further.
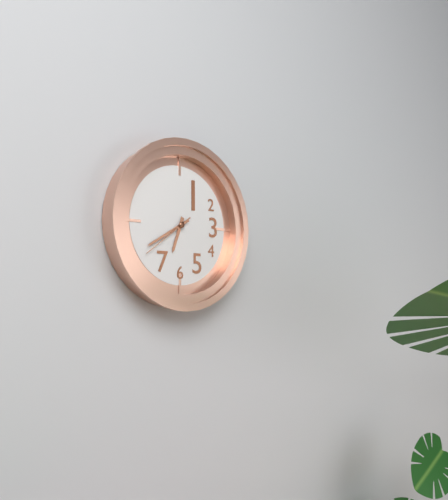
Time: **6:40:39**
